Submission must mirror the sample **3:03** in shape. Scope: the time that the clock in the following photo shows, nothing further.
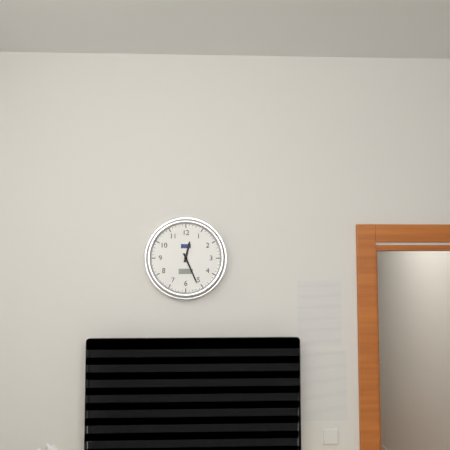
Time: **12:26**
